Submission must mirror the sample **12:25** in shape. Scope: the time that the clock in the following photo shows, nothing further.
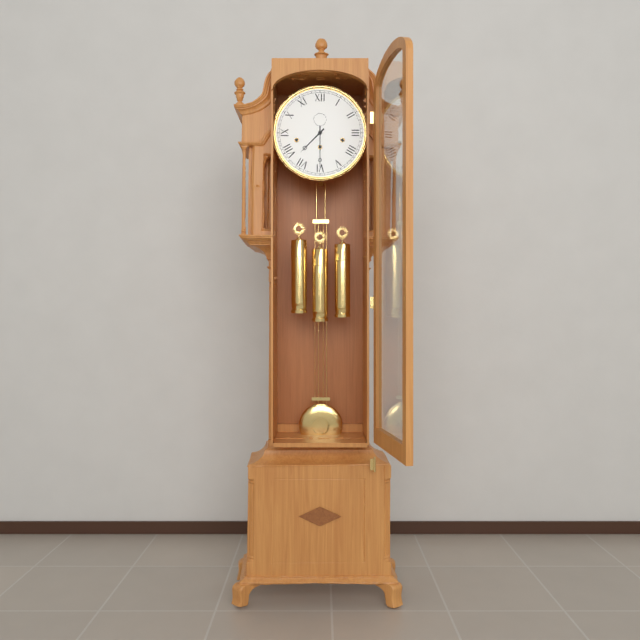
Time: **7:30**
